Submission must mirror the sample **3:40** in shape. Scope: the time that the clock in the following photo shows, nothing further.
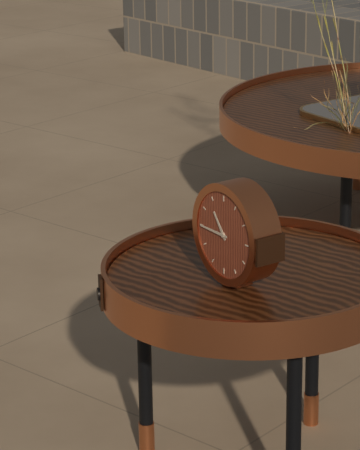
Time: **10:45**
